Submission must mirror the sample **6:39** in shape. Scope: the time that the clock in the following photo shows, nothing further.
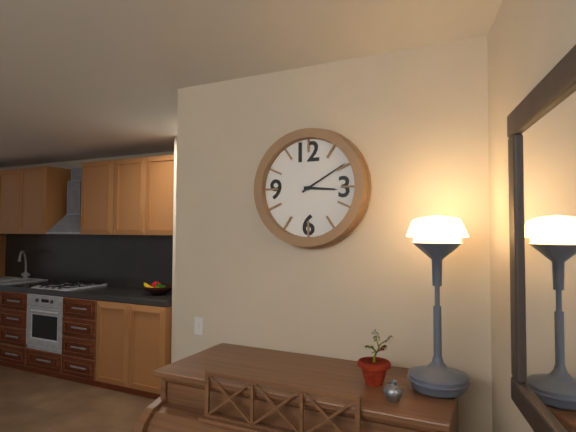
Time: **3:10**
